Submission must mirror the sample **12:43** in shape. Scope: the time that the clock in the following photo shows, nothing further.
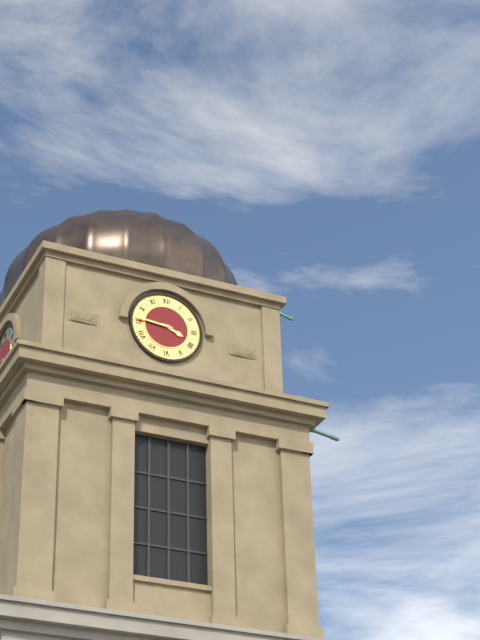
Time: **3:46**
